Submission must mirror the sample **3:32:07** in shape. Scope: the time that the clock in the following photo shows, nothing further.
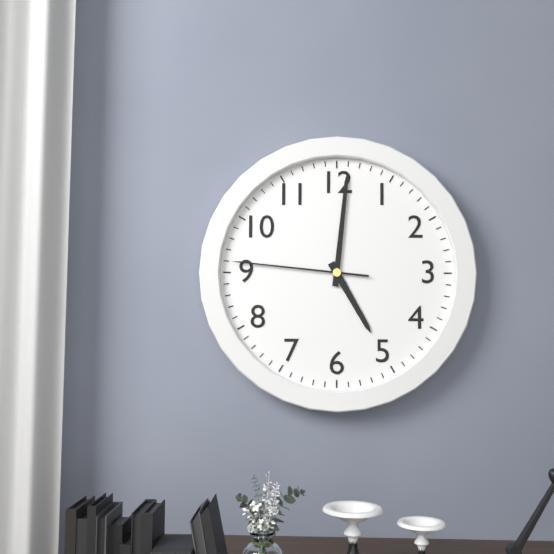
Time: **5:01:46**
